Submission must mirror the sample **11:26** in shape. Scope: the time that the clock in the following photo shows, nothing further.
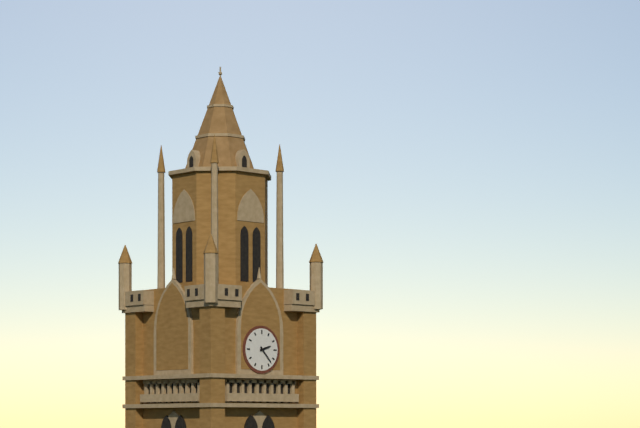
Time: **2:23**
